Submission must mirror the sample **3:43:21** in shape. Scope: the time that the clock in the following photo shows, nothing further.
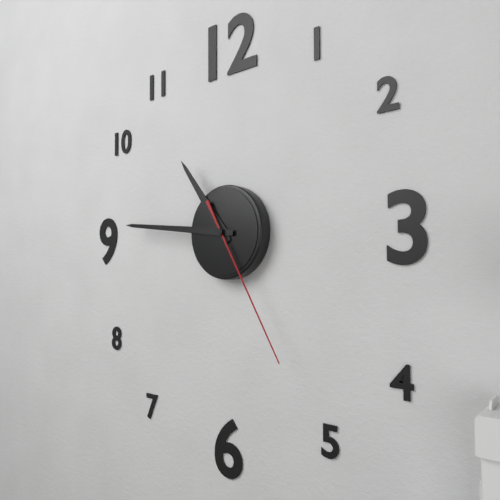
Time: **10:46:25**
